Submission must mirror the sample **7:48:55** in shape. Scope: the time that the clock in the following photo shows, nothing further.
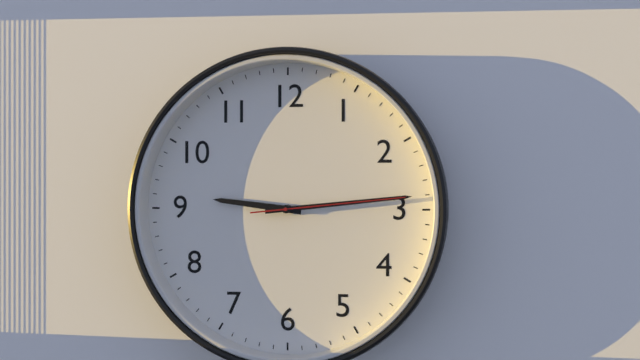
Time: **9:14:14**
